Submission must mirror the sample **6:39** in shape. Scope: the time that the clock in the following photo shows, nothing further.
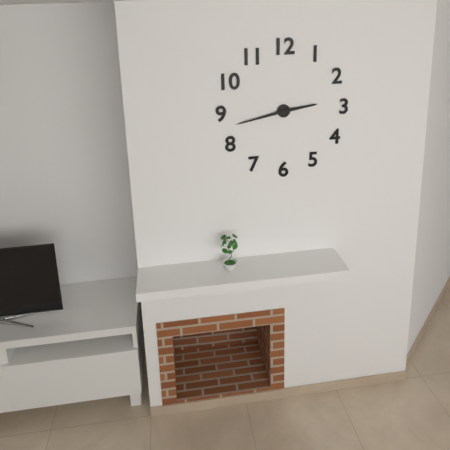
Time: **2:43**
